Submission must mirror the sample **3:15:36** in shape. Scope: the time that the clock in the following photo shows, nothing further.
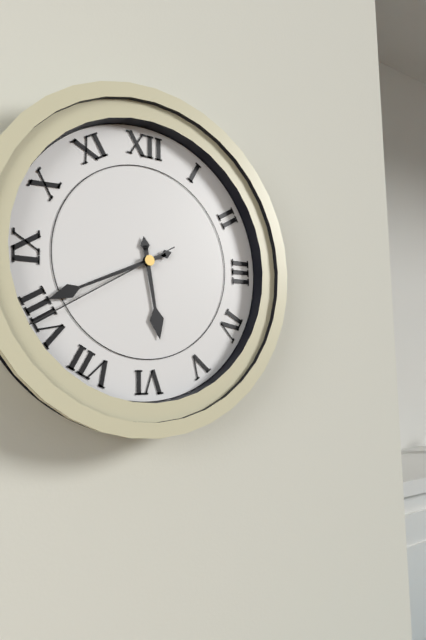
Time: **5:41:40**
